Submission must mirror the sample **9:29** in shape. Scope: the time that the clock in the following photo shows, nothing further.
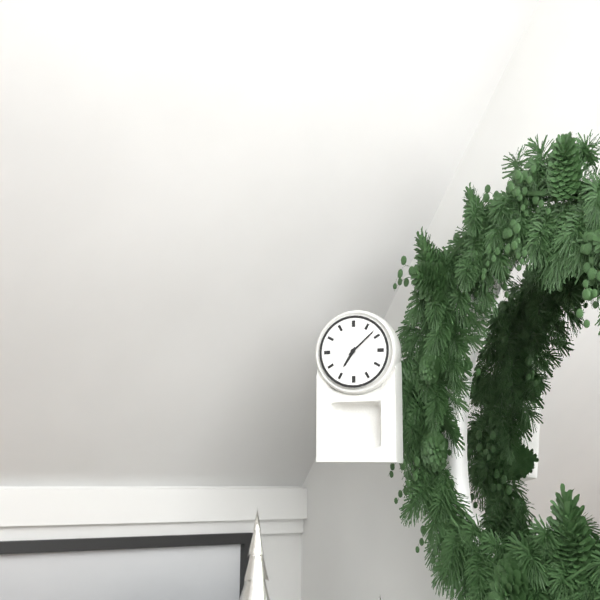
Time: **7:08**
